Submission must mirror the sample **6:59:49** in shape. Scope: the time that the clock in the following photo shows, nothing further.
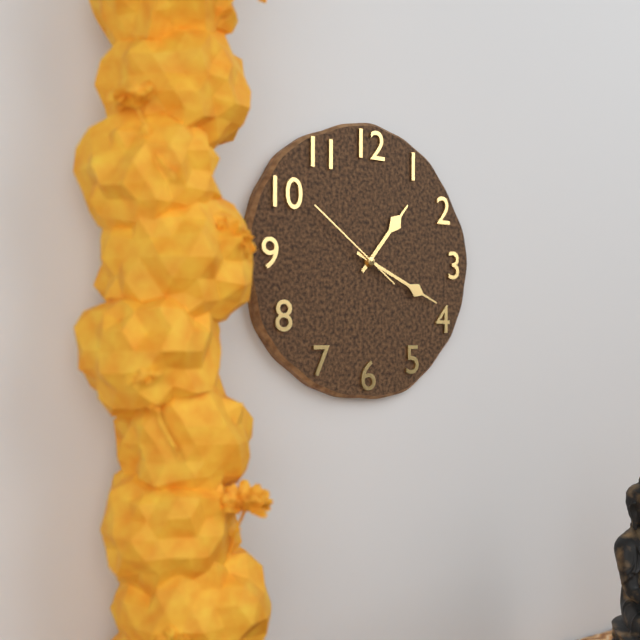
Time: **1:19:51**
